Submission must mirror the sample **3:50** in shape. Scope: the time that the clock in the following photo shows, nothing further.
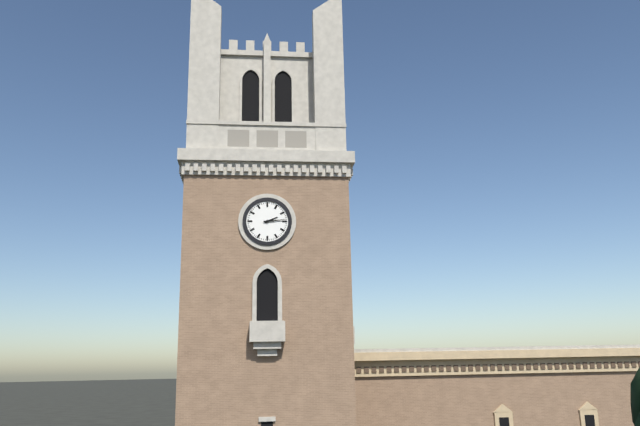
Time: **2:14**
